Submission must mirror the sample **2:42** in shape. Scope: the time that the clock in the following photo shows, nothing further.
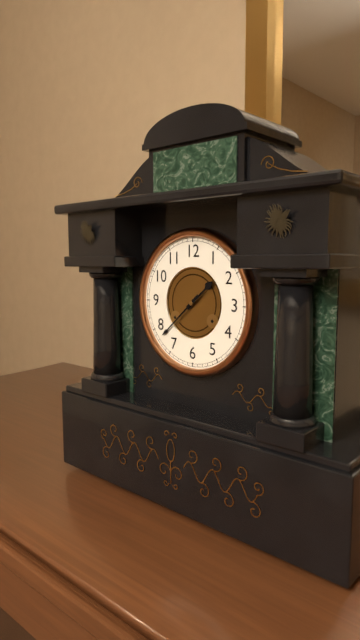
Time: **1:38**
